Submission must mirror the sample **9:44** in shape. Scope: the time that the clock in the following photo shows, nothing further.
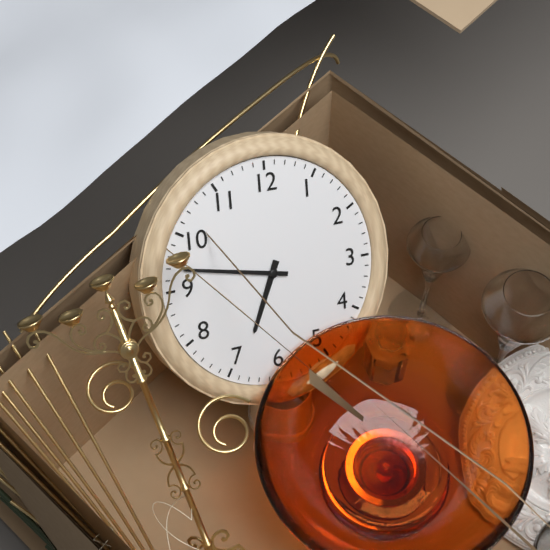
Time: **6:47**
